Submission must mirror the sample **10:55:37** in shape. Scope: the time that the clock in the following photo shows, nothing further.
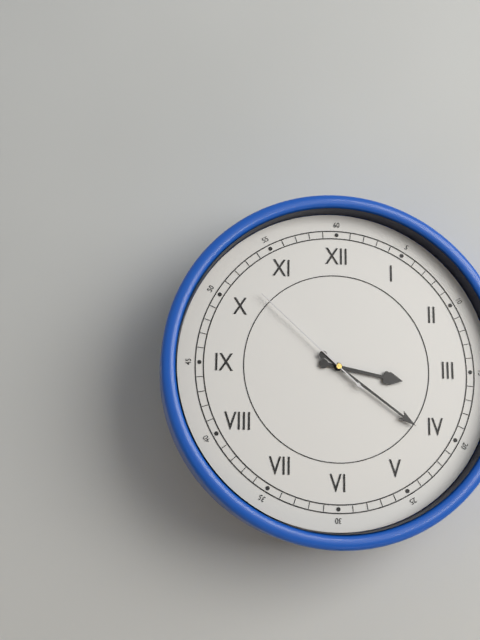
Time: **3:21:52**
